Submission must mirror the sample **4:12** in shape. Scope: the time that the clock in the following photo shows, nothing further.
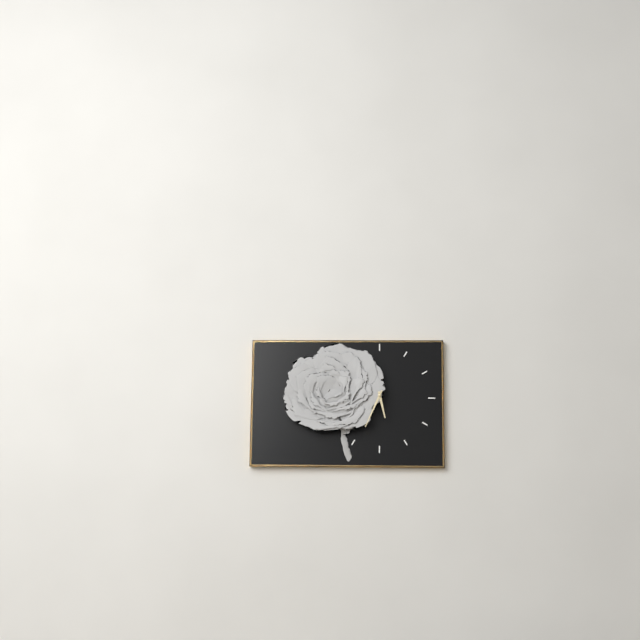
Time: **5:34**
